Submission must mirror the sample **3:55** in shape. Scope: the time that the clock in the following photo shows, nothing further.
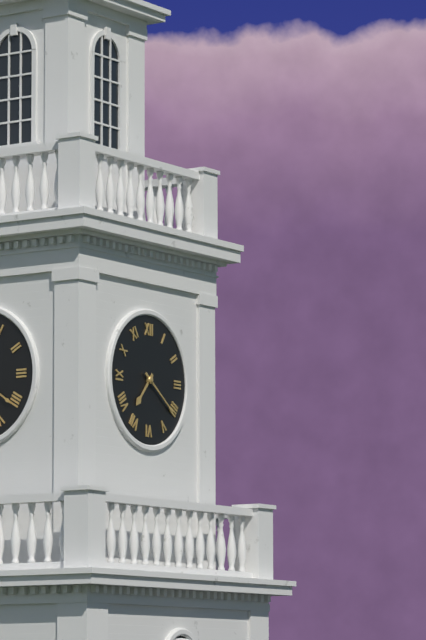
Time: **7:21**
